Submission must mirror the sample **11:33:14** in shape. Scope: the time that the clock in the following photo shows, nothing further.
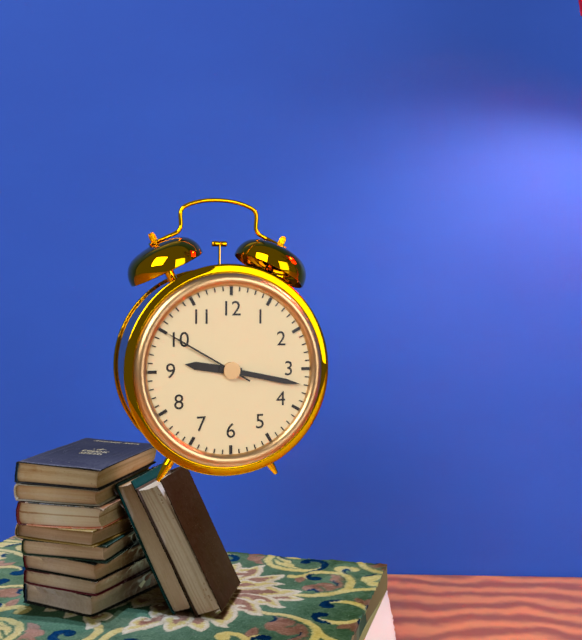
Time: **9:17:50**
